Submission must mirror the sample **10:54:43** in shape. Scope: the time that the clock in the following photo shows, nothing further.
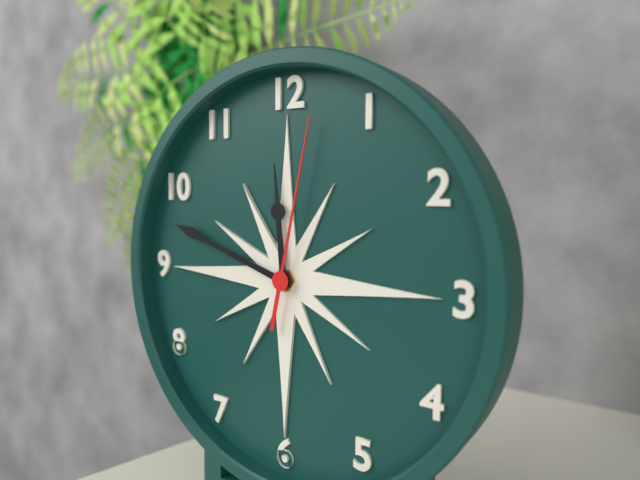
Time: **11:48:02**
